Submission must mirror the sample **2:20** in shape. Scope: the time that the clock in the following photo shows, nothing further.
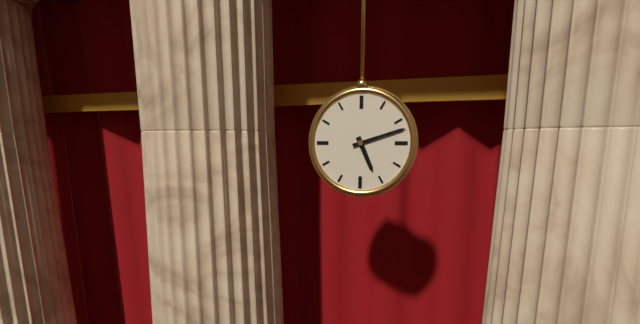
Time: **5:12**
